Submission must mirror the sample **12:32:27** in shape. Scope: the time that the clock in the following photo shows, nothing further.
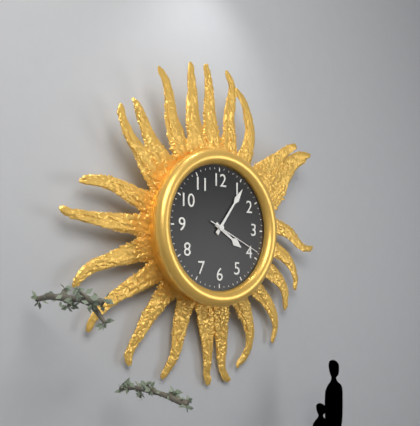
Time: **4:06:19**
